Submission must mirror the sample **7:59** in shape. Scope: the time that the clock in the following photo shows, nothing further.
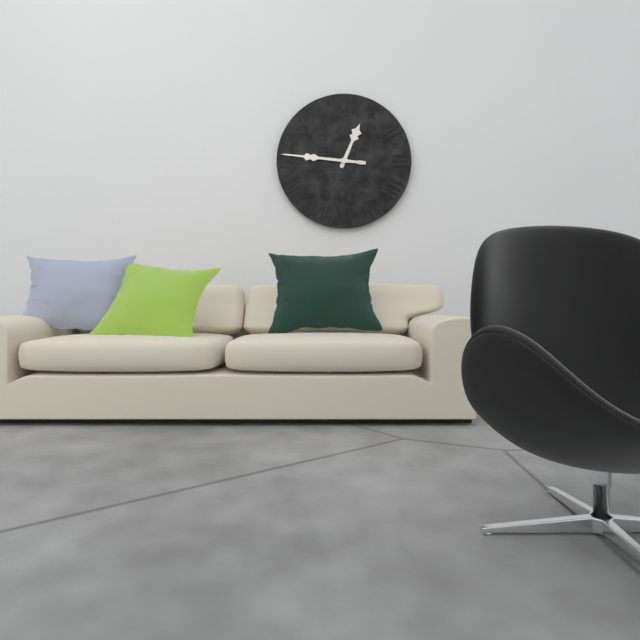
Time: **12:46**
